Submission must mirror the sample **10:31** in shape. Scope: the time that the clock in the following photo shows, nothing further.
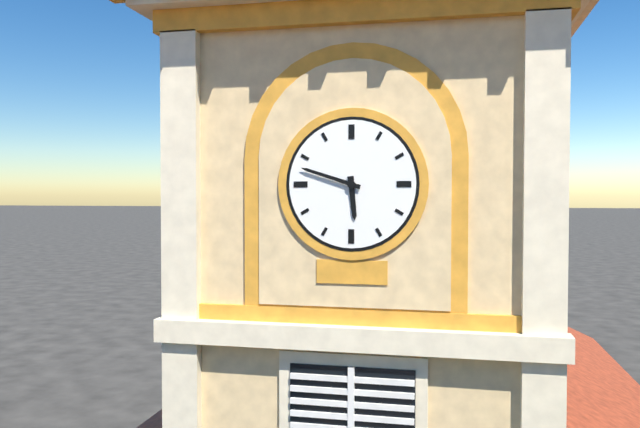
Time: **5:48**
